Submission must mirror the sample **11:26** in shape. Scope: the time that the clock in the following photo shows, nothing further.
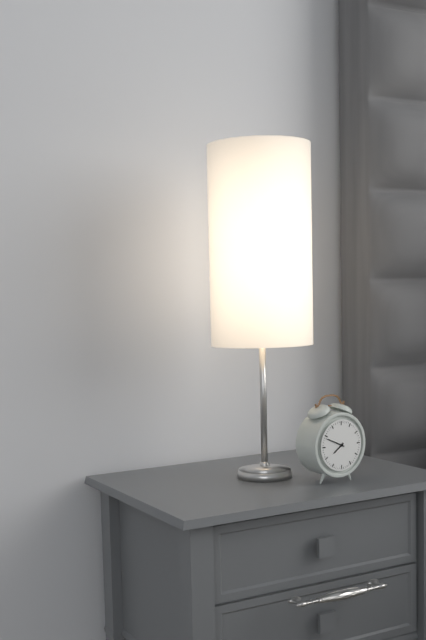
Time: **7:49**
